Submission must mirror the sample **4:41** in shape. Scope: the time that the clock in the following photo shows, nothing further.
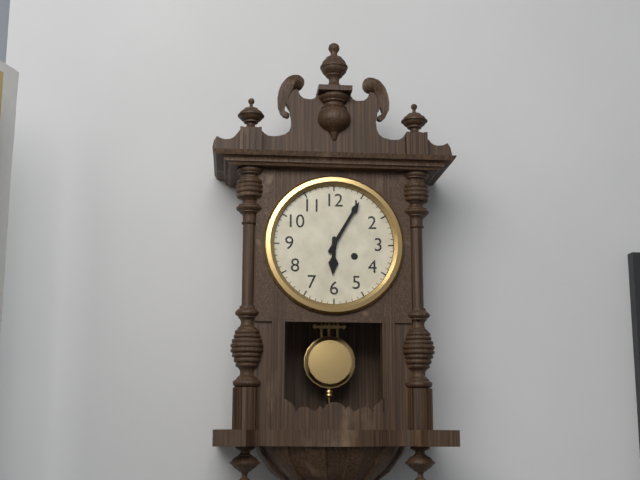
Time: **6:05**
